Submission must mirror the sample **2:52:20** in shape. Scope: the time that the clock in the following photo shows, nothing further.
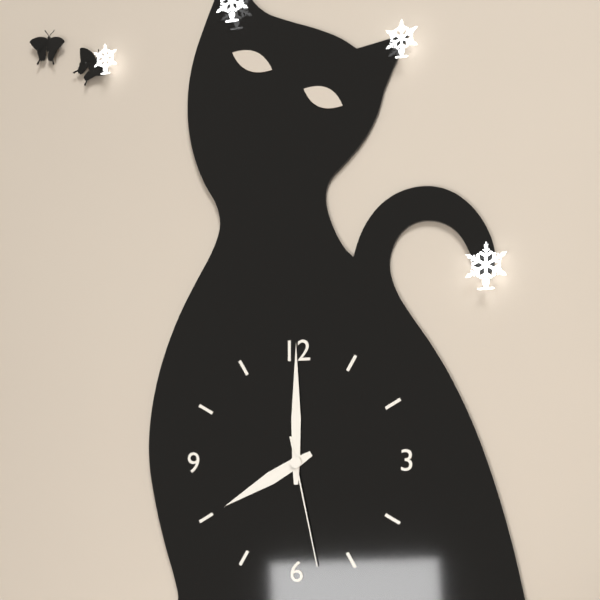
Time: **8:00:28**
